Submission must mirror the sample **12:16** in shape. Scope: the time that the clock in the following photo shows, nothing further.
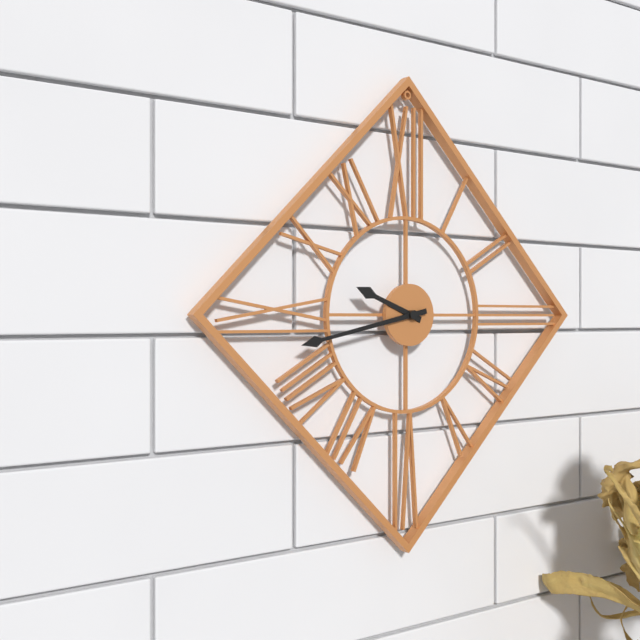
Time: **9:43**
